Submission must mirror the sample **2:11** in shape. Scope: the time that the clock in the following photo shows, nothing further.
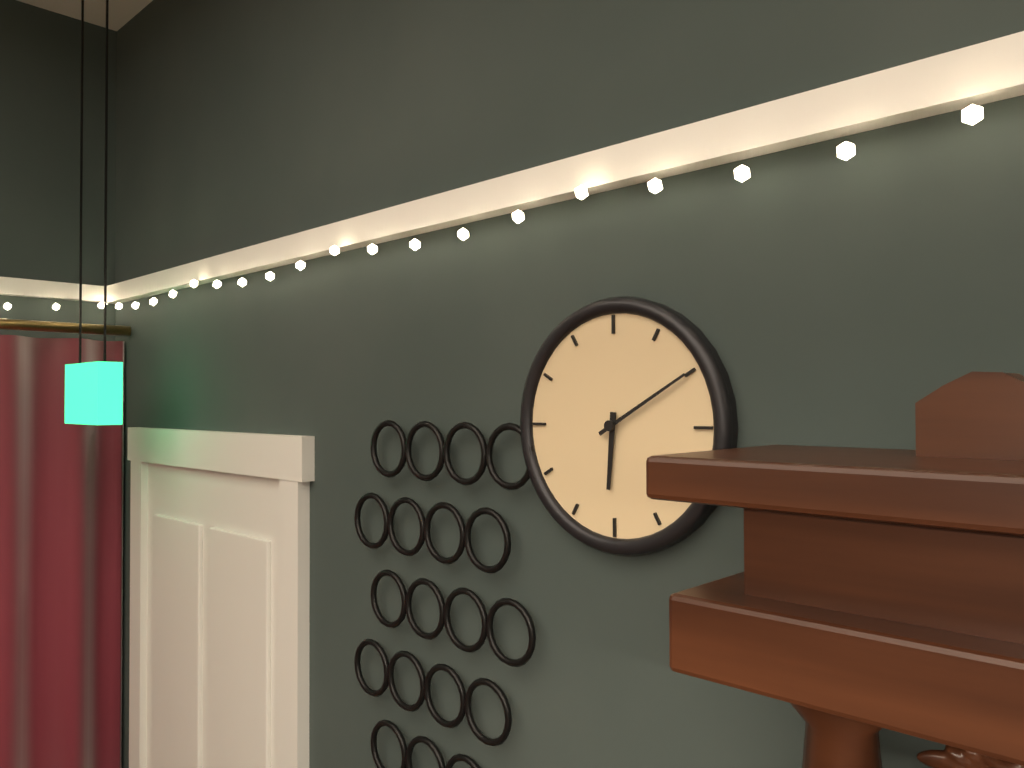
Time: **6:10**
